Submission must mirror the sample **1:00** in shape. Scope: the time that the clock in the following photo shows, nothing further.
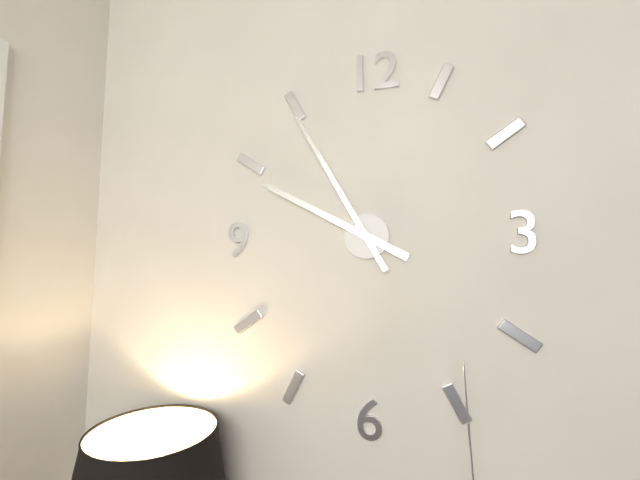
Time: **9:55**
